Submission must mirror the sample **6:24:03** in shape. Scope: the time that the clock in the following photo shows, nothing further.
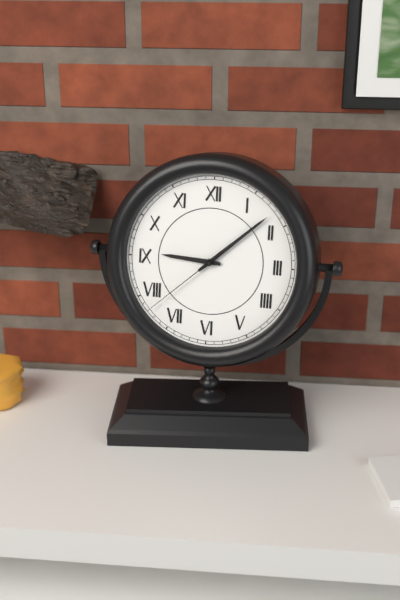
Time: **9:08:38**
